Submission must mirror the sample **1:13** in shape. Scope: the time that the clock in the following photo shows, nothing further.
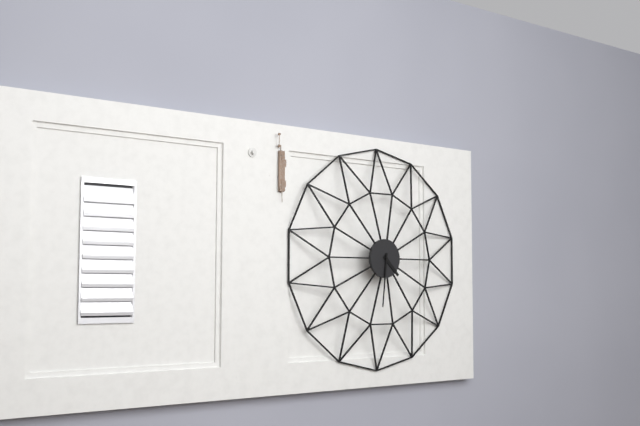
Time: **4:31**
